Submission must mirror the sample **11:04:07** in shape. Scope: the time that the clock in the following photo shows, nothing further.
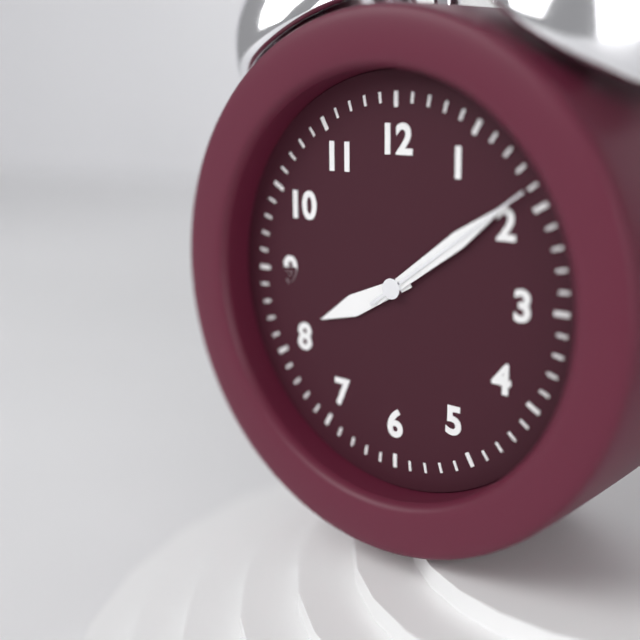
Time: **8:09:09**
